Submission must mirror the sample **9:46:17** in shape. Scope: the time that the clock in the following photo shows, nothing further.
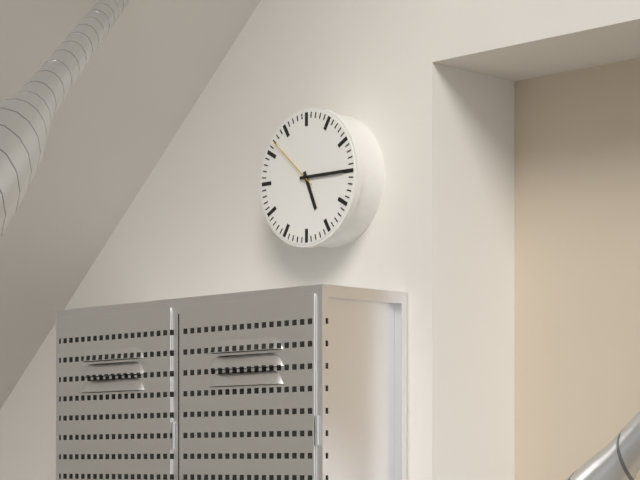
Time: **5:15:52**
